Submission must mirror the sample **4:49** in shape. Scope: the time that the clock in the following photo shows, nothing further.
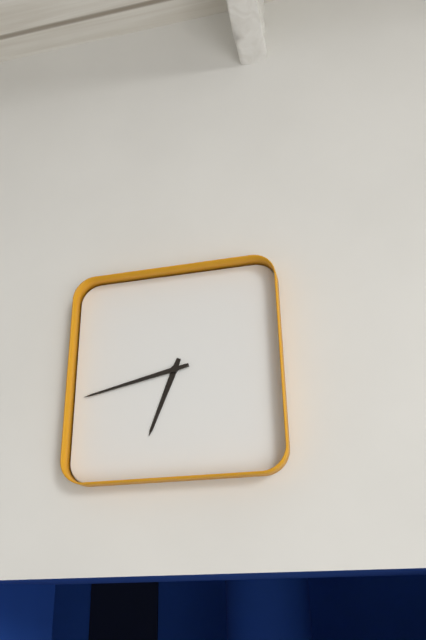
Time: **6:43**
